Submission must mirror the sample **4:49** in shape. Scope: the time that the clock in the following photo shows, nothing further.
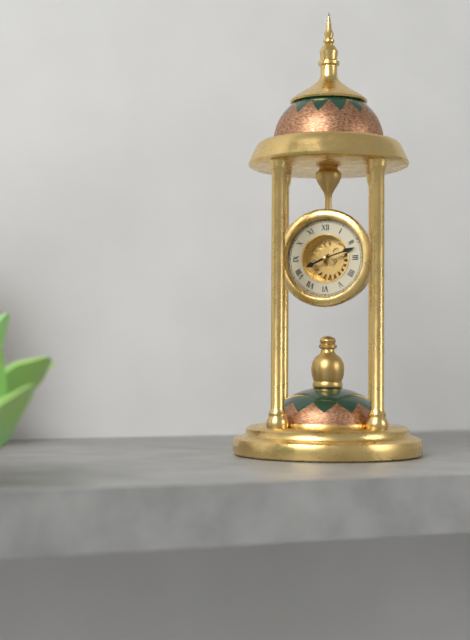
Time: **8:12**
